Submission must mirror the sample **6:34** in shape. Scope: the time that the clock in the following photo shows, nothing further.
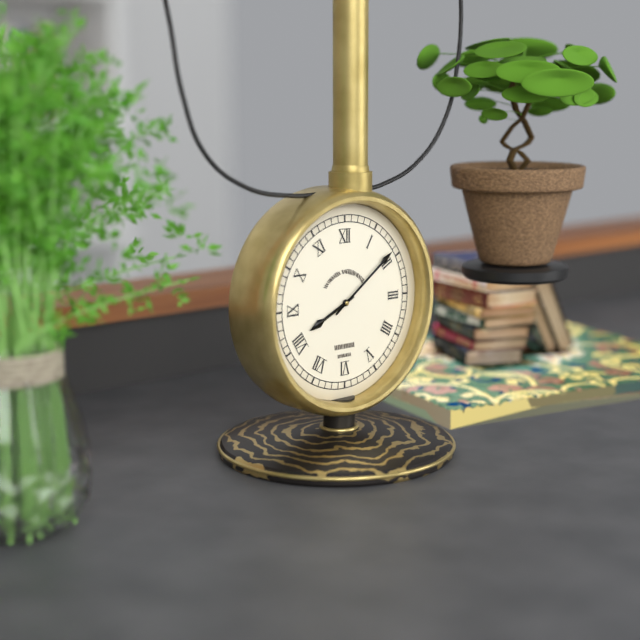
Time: **8:09**
